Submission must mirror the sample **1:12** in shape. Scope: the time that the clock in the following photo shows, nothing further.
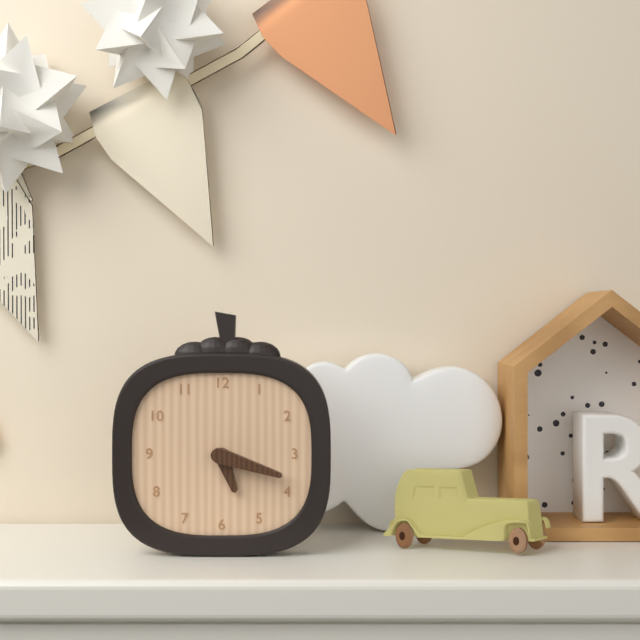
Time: **5:18**
